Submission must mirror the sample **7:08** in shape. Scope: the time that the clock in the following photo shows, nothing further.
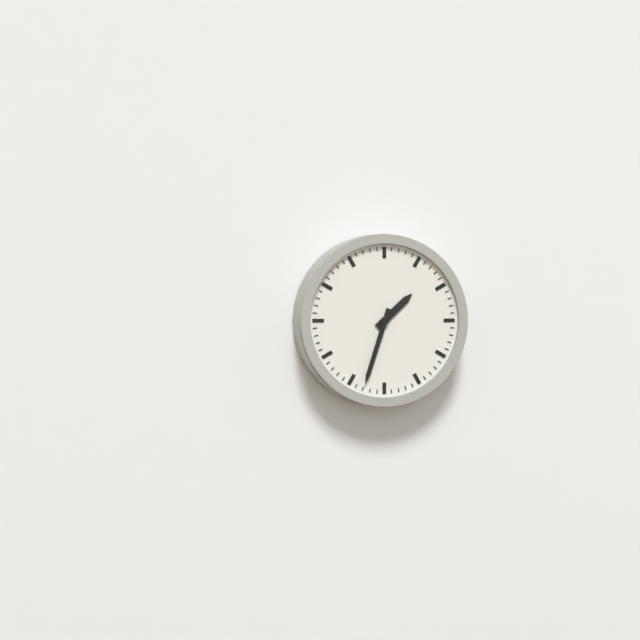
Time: **1:33**
